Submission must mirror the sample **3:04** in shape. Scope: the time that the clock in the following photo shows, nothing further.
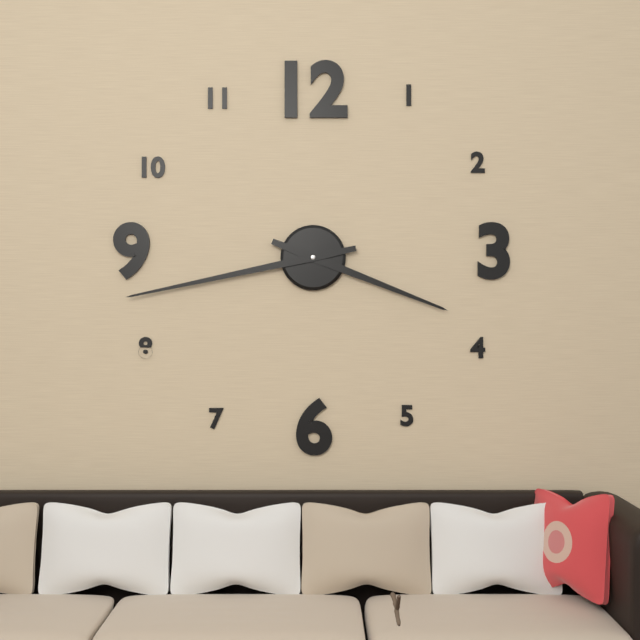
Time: **3:43**
